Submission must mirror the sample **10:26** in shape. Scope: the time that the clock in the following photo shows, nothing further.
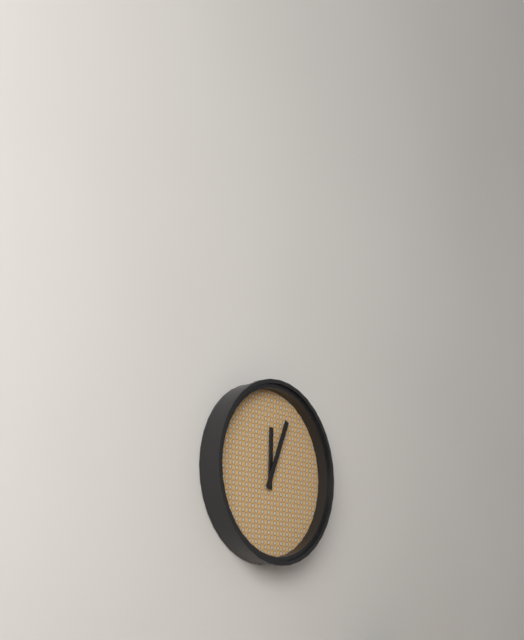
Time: **12:04**
